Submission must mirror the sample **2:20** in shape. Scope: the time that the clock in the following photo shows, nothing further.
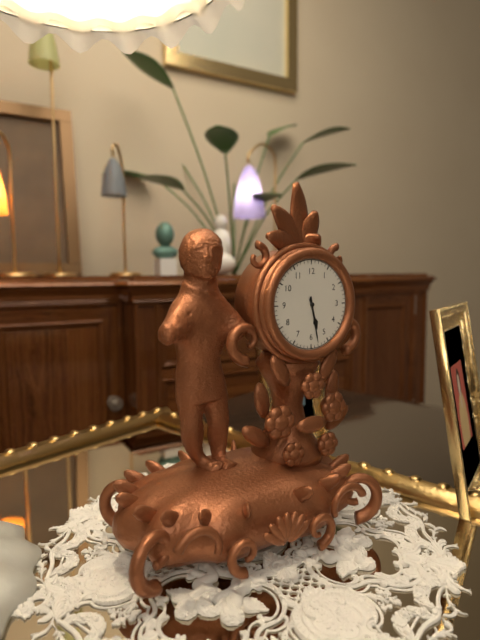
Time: **5:28**
